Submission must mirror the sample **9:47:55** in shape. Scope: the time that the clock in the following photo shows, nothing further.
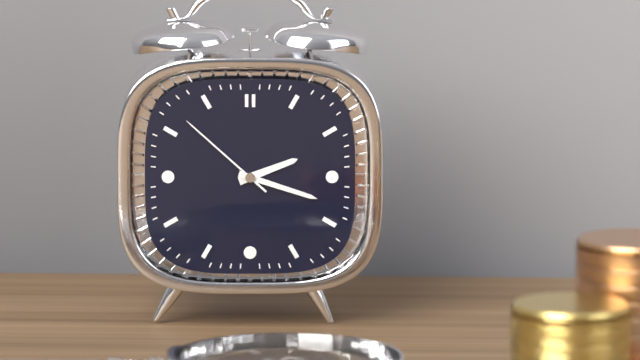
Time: **2:18:52**
